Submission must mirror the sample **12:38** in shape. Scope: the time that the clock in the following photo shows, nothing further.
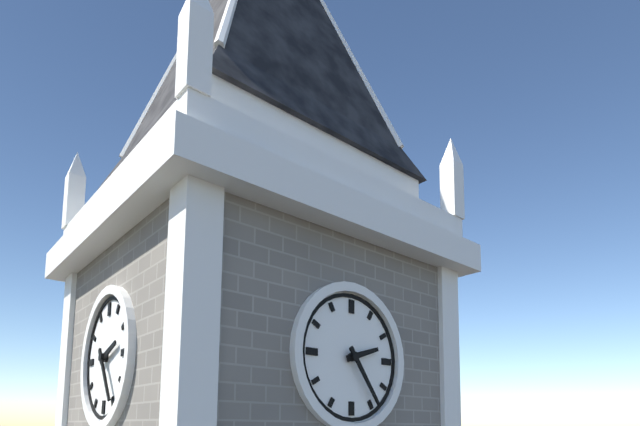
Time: **2:24**
